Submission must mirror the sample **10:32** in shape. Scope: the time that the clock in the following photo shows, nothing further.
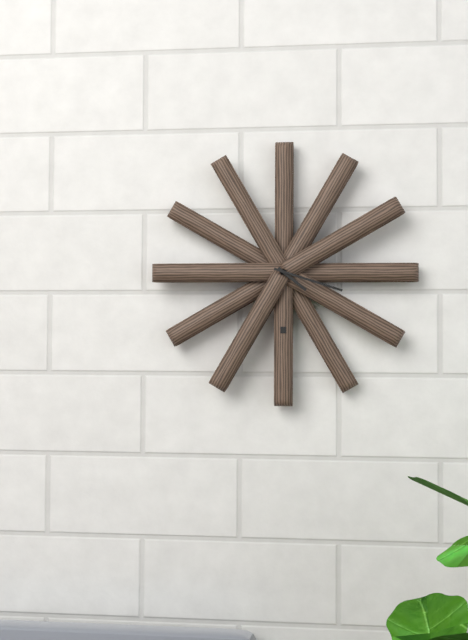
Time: **4:18**
